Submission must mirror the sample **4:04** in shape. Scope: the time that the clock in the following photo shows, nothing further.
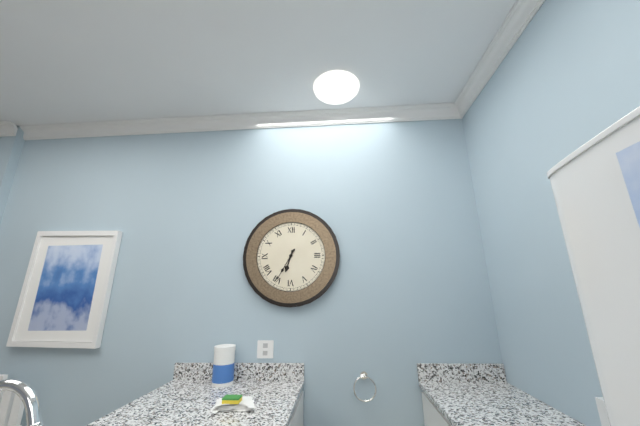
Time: **6:35**
